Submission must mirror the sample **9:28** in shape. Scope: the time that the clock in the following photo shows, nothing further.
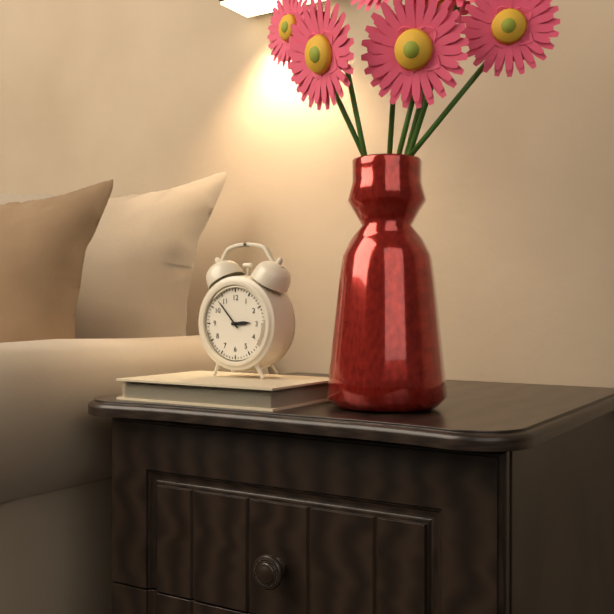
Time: **2:53**
